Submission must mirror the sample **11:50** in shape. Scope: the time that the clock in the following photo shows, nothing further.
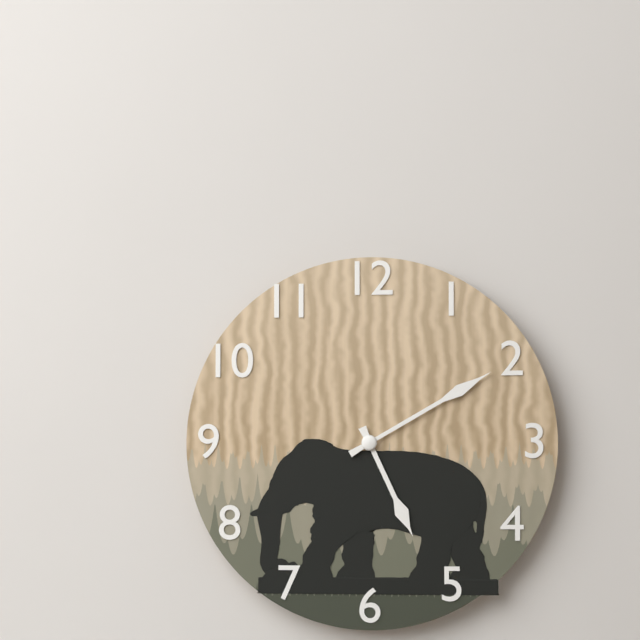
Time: **5:10**
